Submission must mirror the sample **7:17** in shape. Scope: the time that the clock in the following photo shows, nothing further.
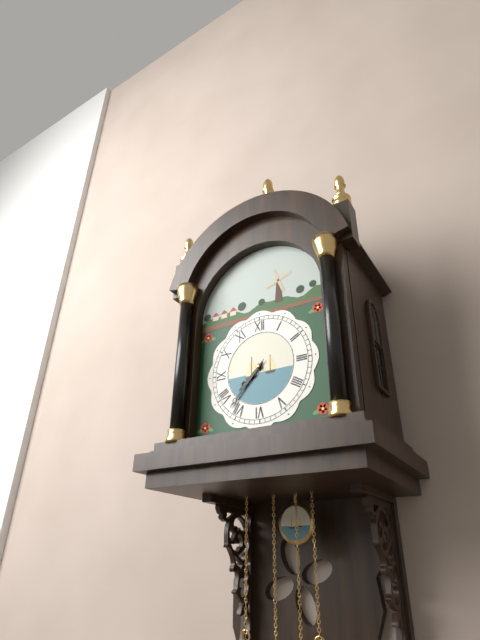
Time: **7:37**
